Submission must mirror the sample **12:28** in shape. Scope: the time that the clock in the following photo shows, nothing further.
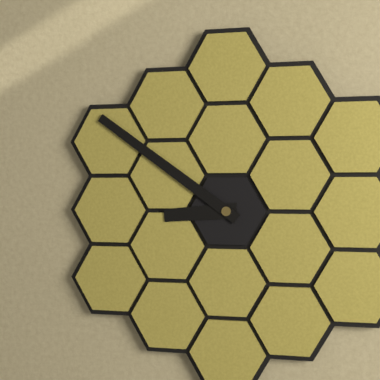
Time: **8:51**
